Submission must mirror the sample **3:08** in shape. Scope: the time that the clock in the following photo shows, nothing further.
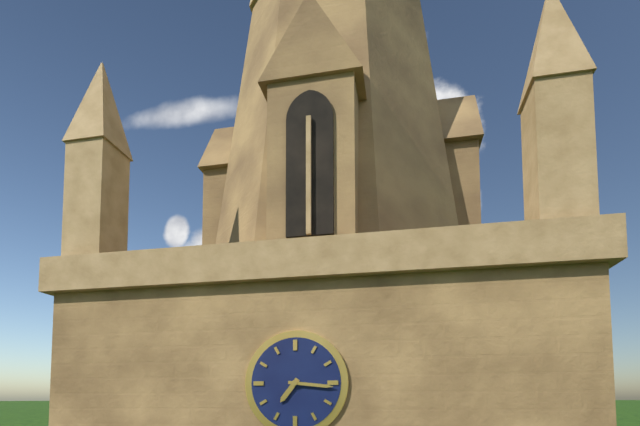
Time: **7:16**
